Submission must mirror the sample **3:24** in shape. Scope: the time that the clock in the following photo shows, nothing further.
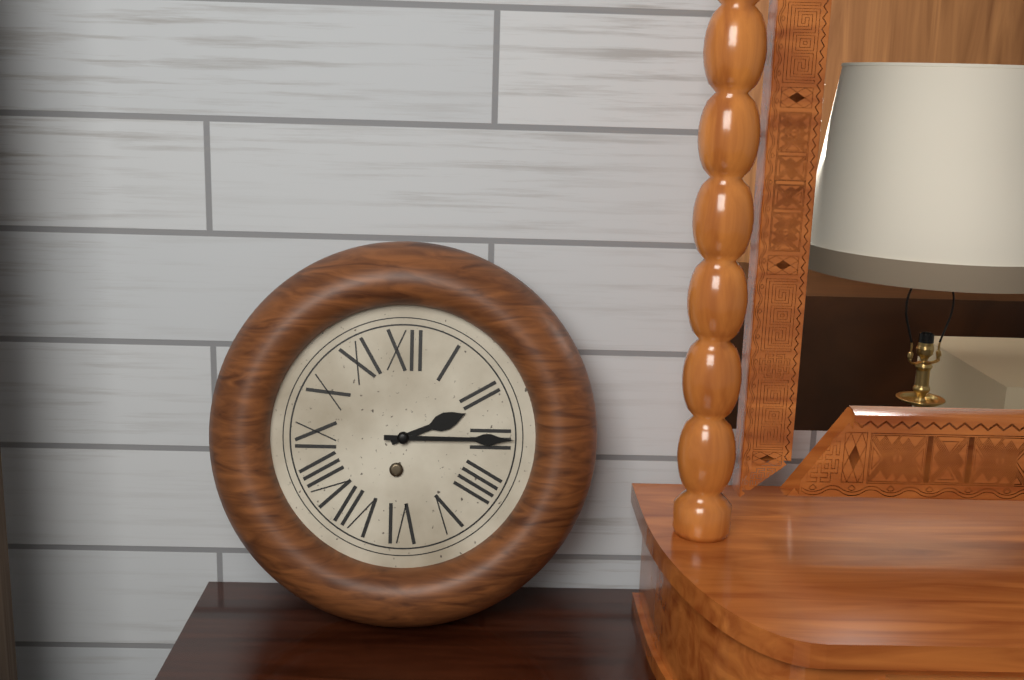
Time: **2:15**
